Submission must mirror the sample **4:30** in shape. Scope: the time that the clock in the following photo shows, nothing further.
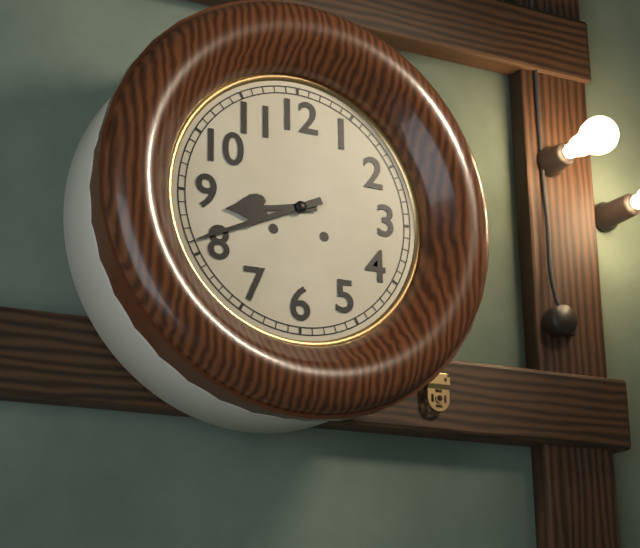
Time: **8:41**
